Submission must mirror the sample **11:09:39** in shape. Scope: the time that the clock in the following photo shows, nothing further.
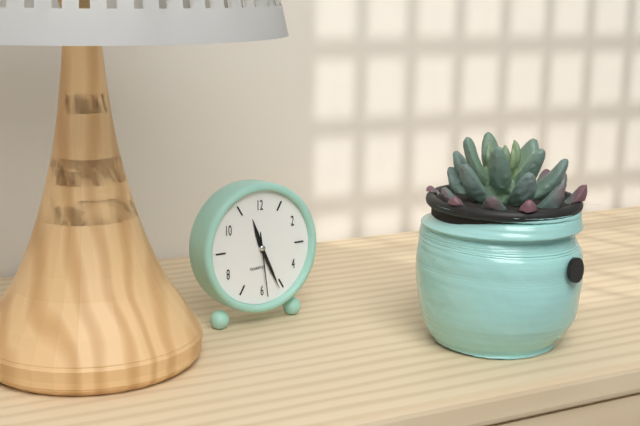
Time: **11:26:29**
